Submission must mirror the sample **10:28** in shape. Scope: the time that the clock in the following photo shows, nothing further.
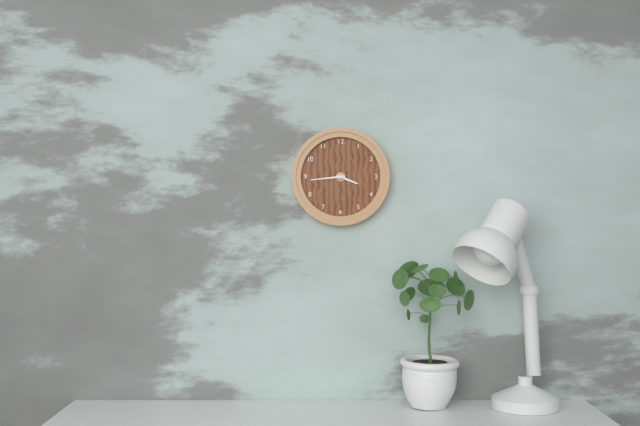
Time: **3:44**
